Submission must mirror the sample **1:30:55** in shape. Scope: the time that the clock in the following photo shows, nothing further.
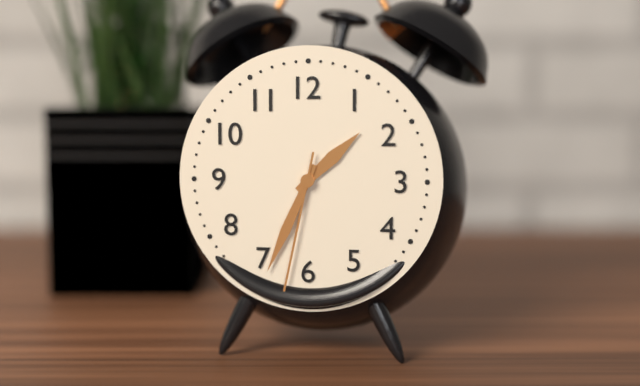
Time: **1:34:32**
